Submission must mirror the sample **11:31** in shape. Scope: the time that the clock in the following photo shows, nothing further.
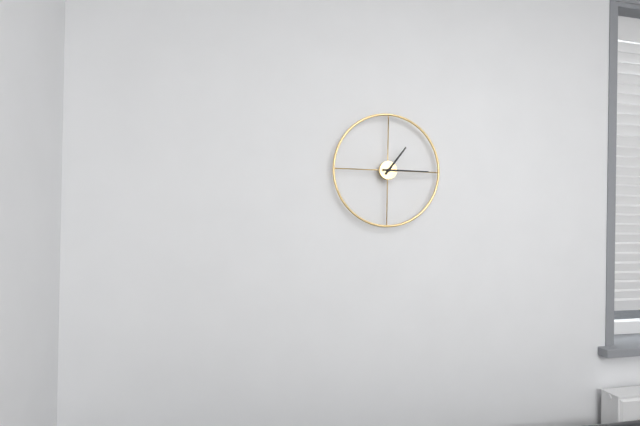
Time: **1:15**
